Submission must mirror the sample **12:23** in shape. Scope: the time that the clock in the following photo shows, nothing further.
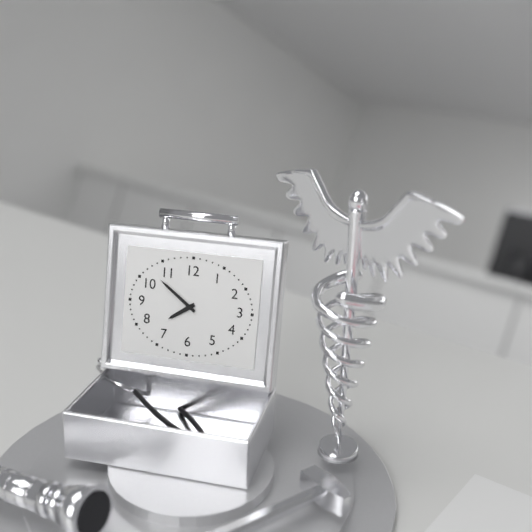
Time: **7:51**
